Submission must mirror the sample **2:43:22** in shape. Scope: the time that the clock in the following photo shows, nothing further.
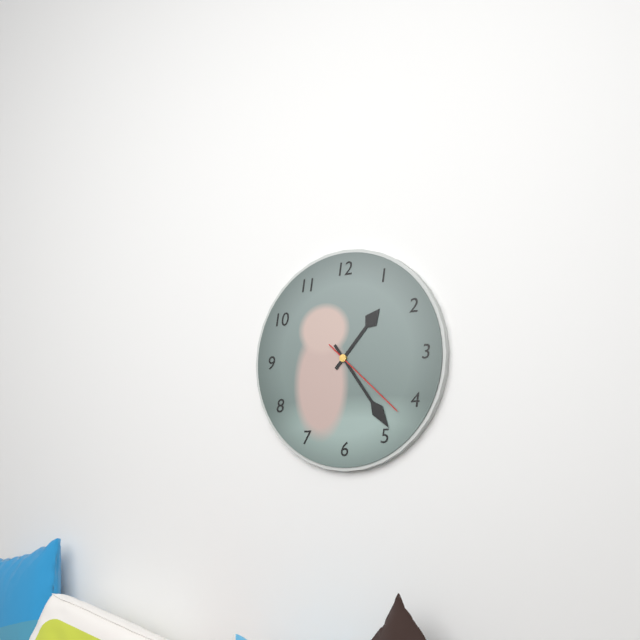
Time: **1:24:22**
